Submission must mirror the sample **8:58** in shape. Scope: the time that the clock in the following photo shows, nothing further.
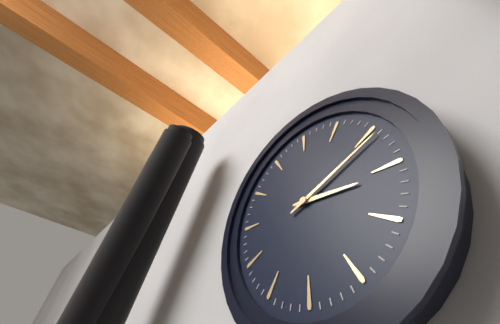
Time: **3:11**
